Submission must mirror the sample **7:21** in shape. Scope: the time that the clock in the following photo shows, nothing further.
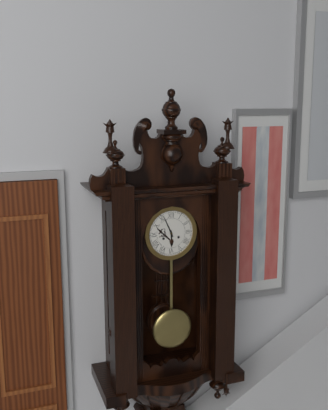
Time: **5:56**
